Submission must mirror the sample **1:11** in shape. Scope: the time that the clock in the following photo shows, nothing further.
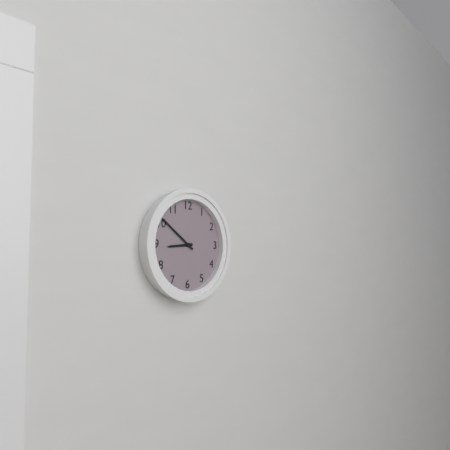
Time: **8:51**
